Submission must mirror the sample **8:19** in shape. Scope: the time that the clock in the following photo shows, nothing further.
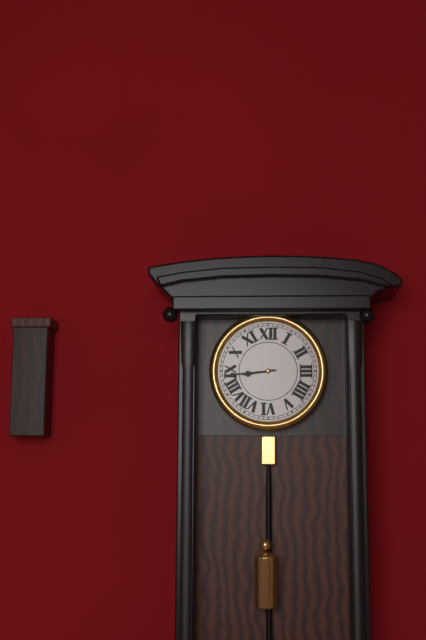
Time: **8:44**
